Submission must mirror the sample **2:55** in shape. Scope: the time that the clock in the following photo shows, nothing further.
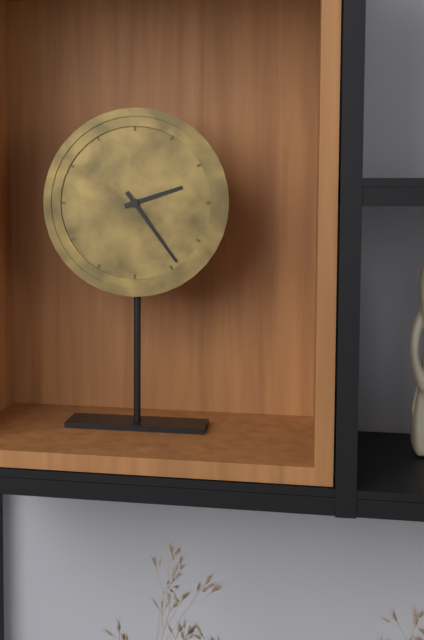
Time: **2:24**
